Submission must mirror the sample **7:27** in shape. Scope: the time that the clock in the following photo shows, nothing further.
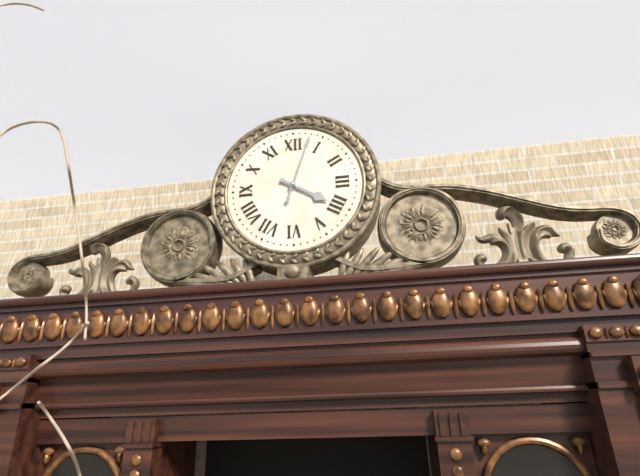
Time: **4:03**
